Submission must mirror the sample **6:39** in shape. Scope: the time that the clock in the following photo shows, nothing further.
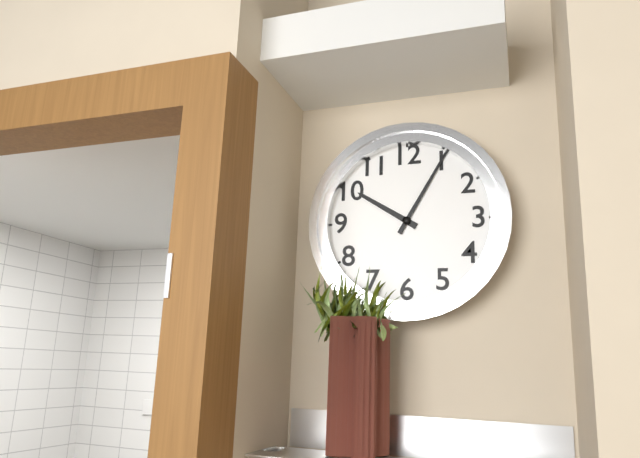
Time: **10:05**
